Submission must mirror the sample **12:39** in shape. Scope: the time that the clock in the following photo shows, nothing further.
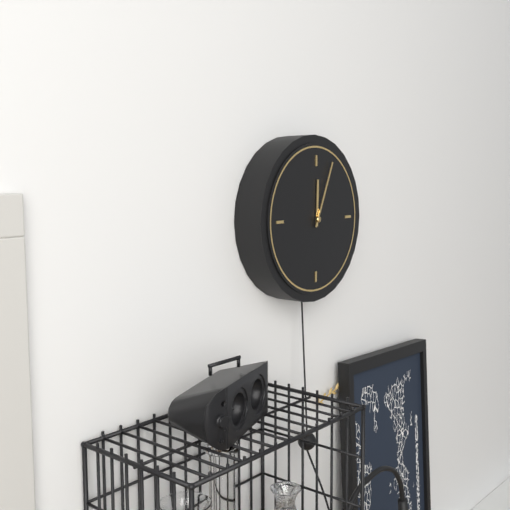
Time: **12:04**
